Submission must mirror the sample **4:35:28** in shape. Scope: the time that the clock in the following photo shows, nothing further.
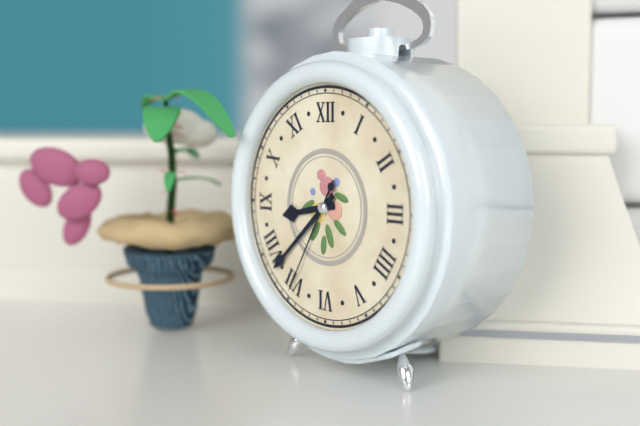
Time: **8:38:35**
